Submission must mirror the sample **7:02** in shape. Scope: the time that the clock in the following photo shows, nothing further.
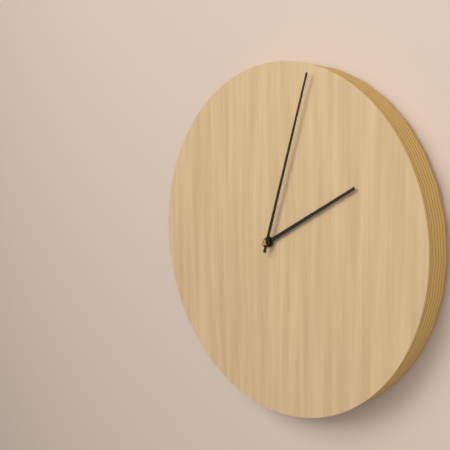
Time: **2:03**
